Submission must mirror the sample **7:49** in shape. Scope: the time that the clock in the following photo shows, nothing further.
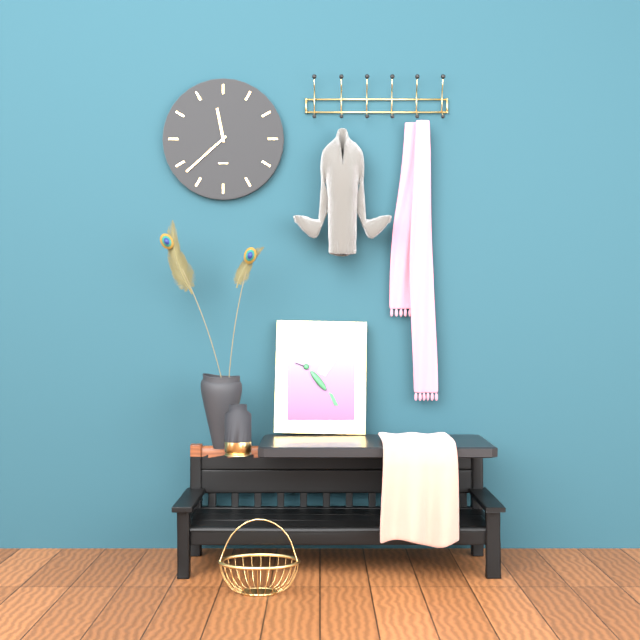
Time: **11:38**
